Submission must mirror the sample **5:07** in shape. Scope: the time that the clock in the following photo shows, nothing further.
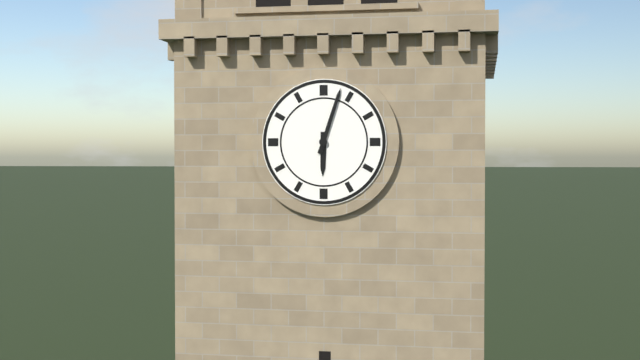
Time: **6:03**
